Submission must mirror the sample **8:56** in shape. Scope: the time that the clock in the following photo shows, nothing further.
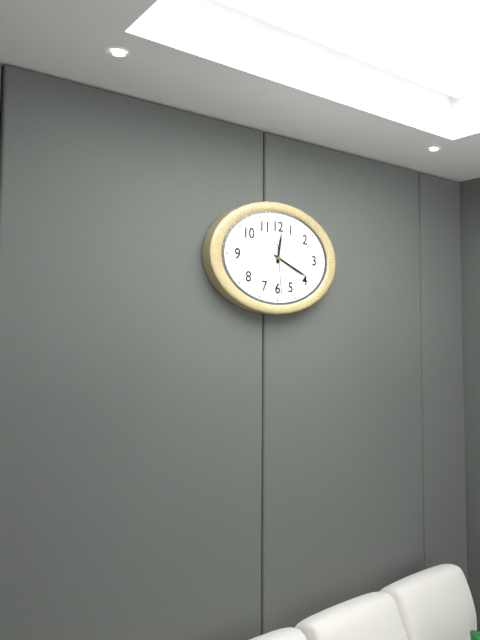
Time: **12:19**
